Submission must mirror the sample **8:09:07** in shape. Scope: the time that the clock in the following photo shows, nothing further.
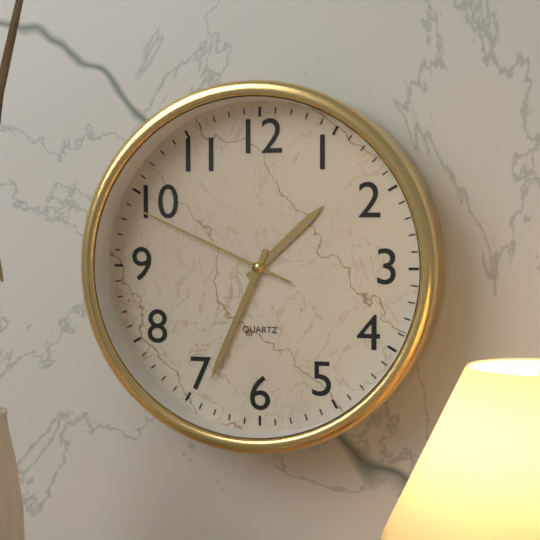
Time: **1:34:49**
